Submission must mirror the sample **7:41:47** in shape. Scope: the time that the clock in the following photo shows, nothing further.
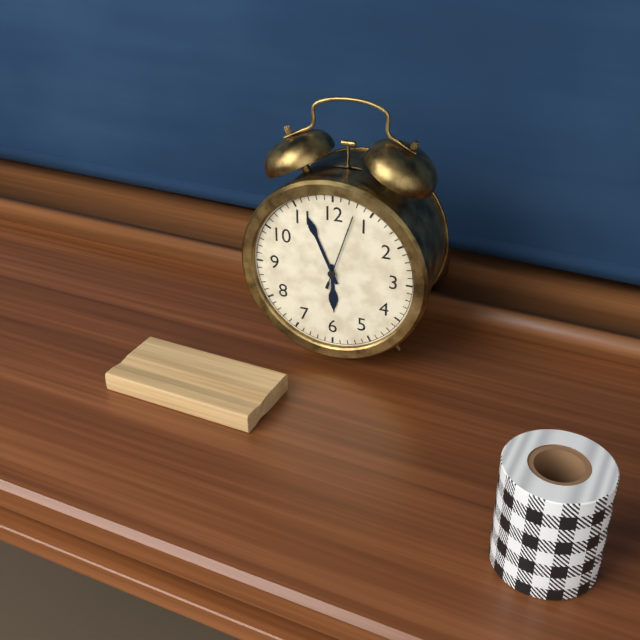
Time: **5:56:03**
